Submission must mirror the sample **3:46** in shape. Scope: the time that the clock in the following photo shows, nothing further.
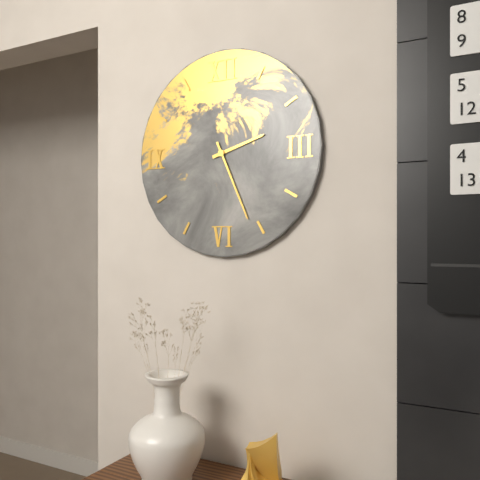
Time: **2:26**
